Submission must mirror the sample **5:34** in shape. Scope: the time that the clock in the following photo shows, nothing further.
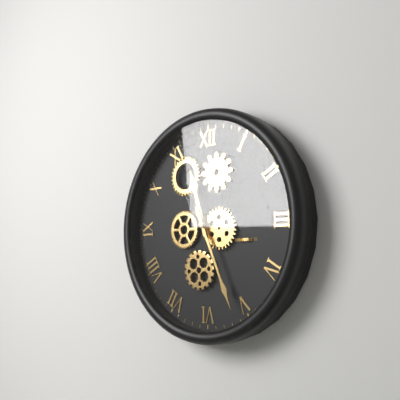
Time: **11:26**
